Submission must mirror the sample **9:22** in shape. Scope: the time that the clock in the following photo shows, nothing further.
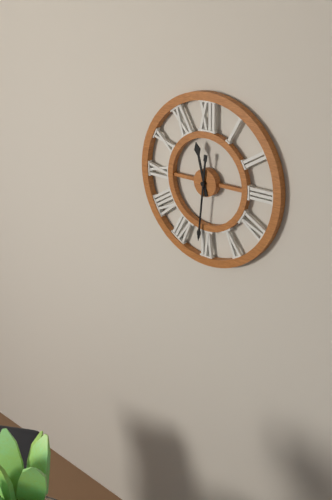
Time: **11:31**
